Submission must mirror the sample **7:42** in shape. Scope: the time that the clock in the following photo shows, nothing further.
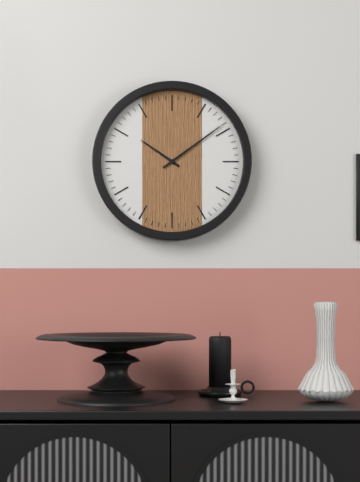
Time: **10:09**
